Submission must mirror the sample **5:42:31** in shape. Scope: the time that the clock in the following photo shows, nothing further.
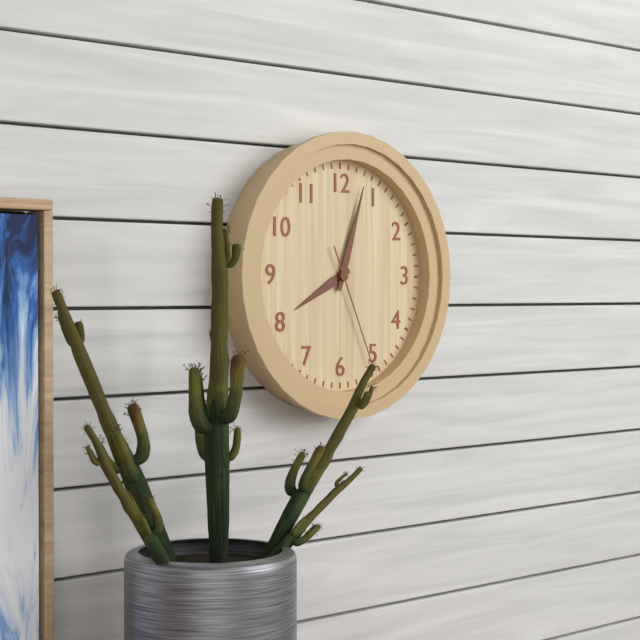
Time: **8:03:26**
